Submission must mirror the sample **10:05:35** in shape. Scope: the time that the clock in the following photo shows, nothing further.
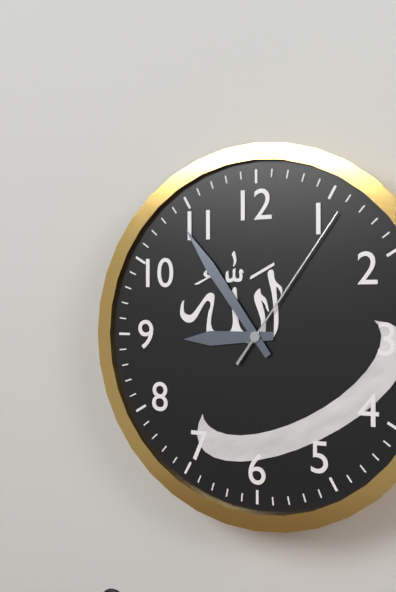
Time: **8:54:06**
